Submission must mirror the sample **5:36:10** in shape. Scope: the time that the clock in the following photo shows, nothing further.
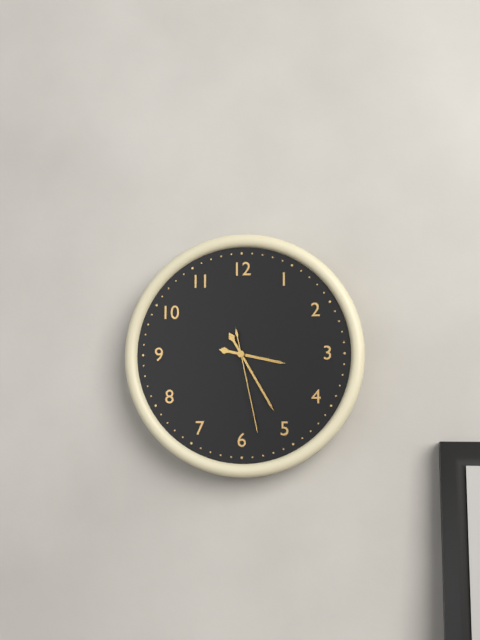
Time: **3:25:28**
